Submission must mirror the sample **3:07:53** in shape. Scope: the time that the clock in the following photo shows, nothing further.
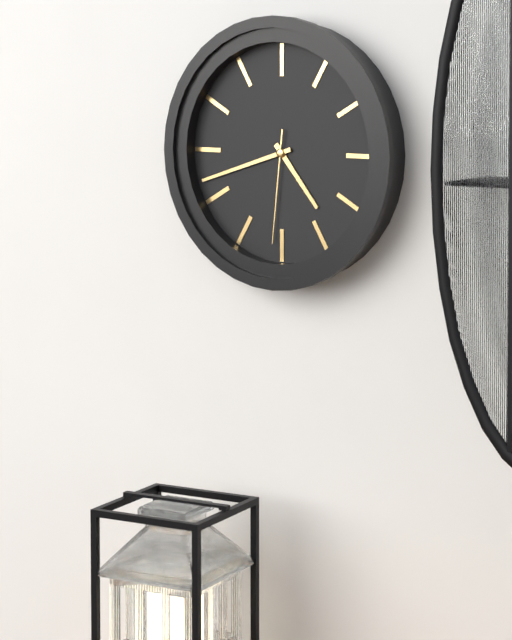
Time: **4:42:31**
